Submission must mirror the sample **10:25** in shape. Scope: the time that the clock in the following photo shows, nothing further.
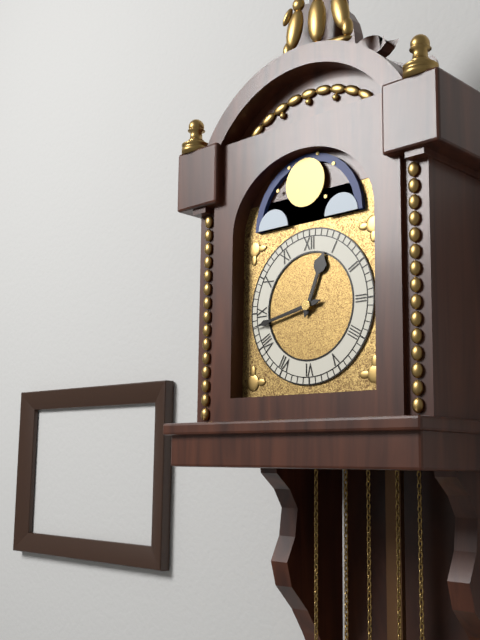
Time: **12:43**
